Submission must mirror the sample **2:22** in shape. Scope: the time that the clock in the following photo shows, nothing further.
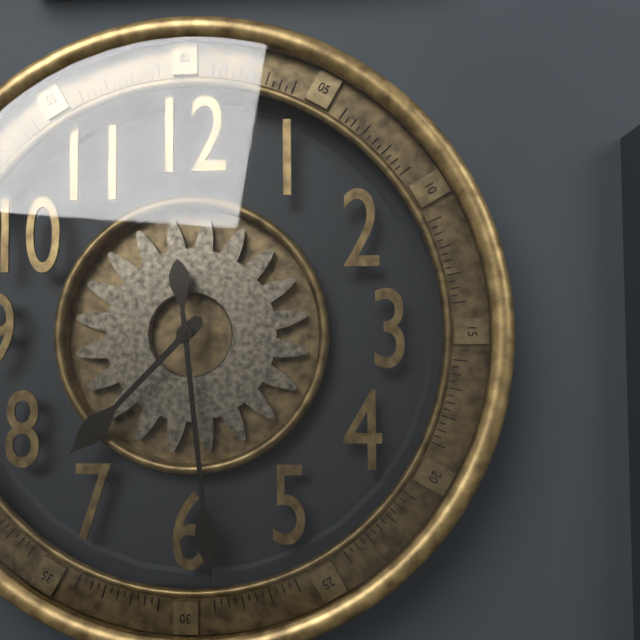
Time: **7:29**
